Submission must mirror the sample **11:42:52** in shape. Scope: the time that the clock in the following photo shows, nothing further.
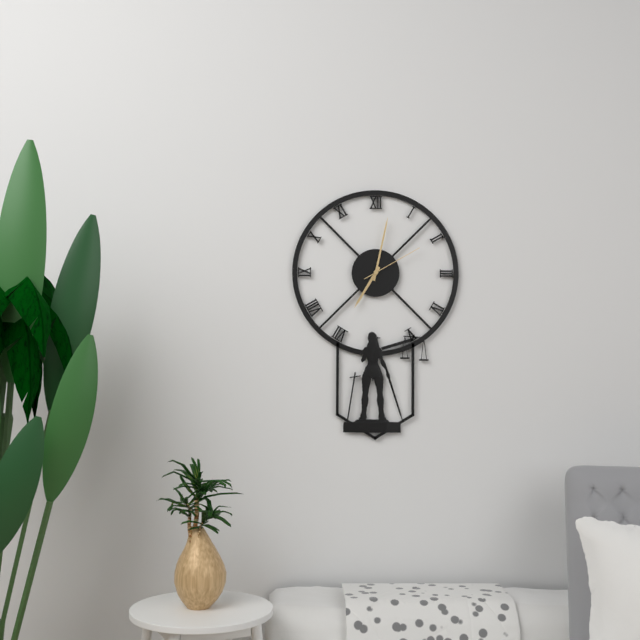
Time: **7:02:10**
